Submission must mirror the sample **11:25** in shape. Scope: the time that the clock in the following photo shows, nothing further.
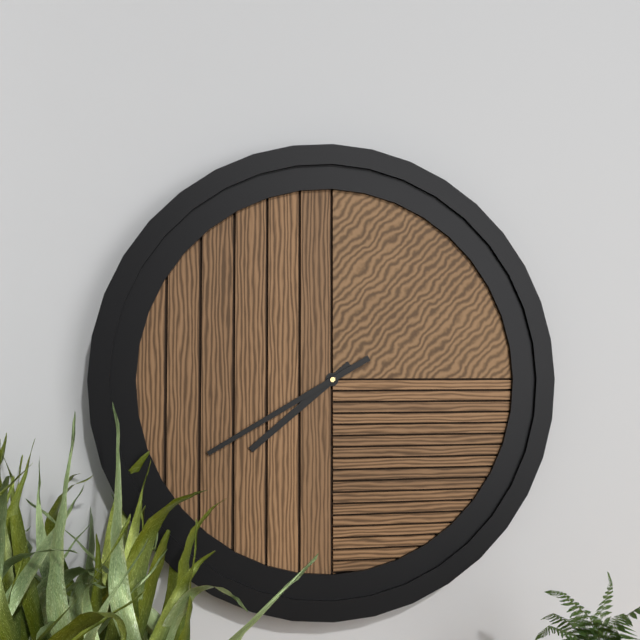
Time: **7:40**
